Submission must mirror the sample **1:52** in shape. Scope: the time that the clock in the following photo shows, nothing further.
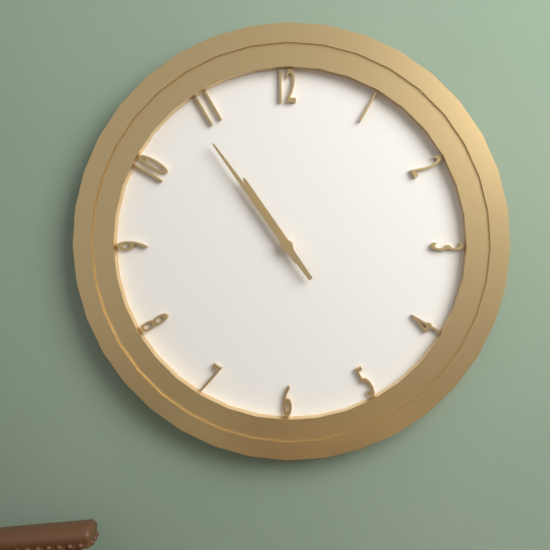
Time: **10:54**
